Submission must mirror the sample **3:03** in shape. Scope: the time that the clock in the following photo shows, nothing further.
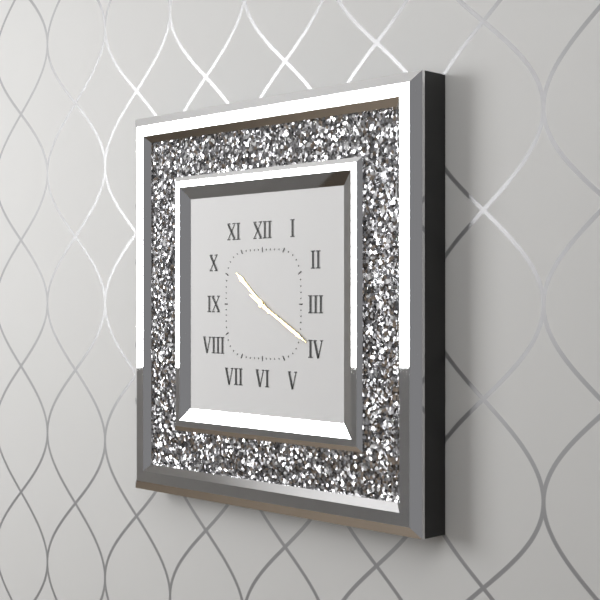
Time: **10:20**
